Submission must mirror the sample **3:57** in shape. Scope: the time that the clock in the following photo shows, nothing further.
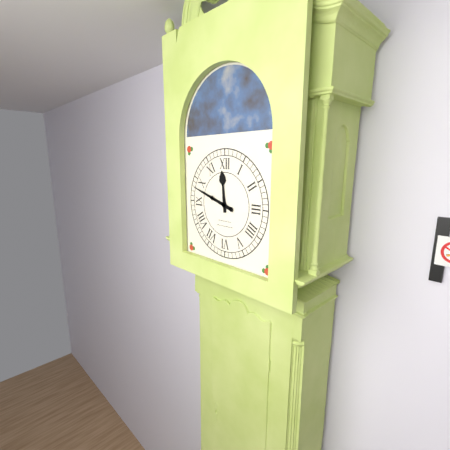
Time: **11:48**
